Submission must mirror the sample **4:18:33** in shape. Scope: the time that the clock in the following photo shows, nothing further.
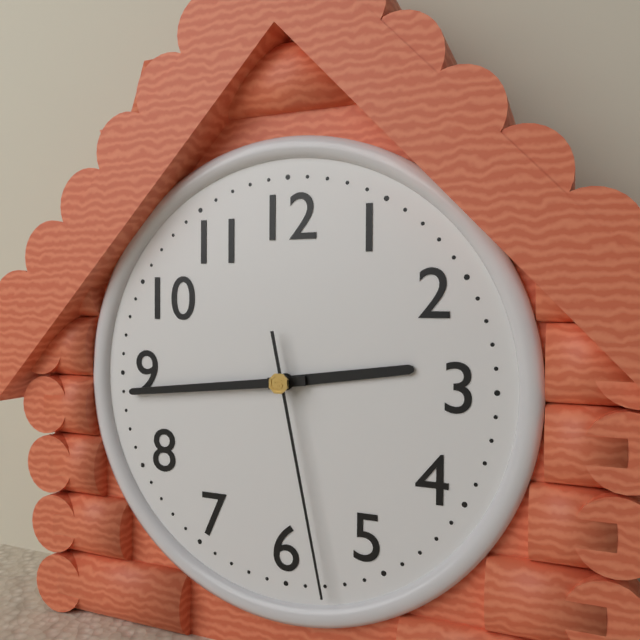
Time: **2:44:28**
